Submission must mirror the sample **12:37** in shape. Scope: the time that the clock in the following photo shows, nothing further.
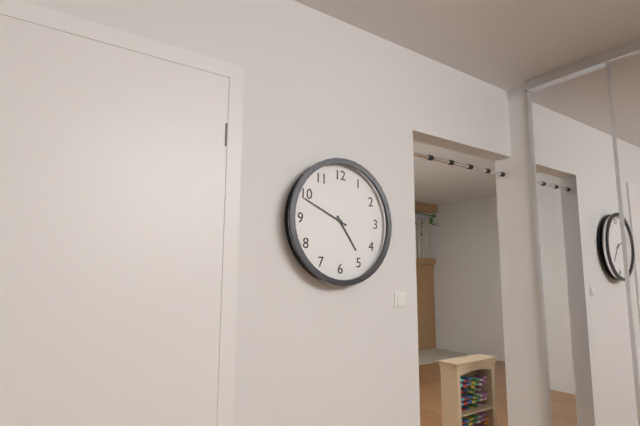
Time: **4:49**
